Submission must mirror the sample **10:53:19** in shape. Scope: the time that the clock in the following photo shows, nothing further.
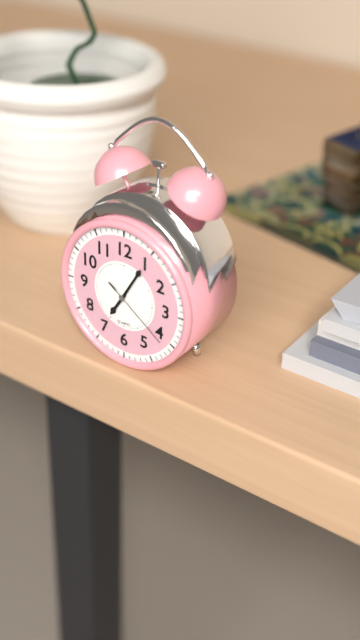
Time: **7:05:21**
